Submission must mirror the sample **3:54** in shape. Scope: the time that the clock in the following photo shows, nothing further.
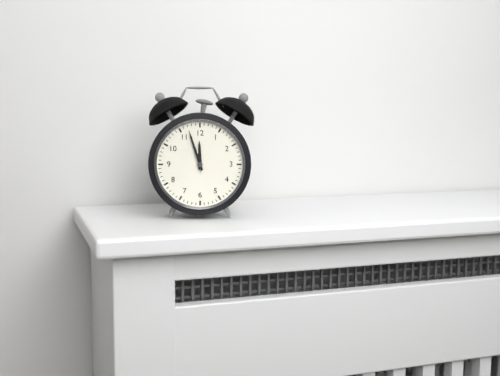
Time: **11:57**
